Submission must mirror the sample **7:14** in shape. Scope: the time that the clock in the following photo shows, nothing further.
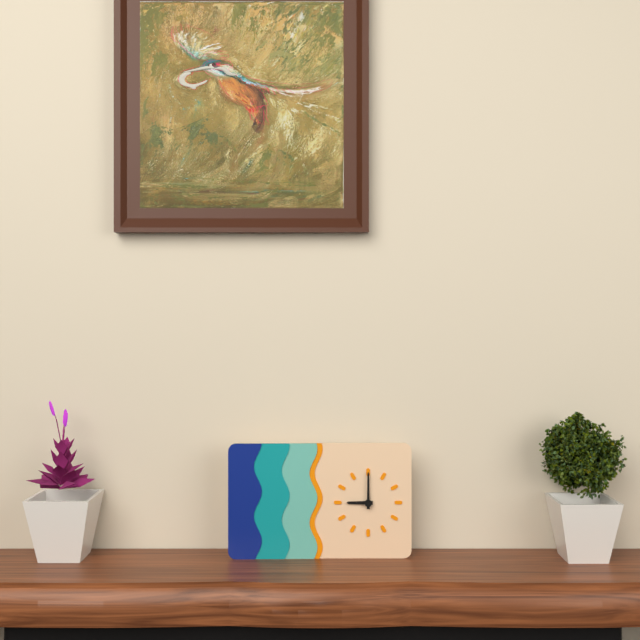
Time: **9:00**
